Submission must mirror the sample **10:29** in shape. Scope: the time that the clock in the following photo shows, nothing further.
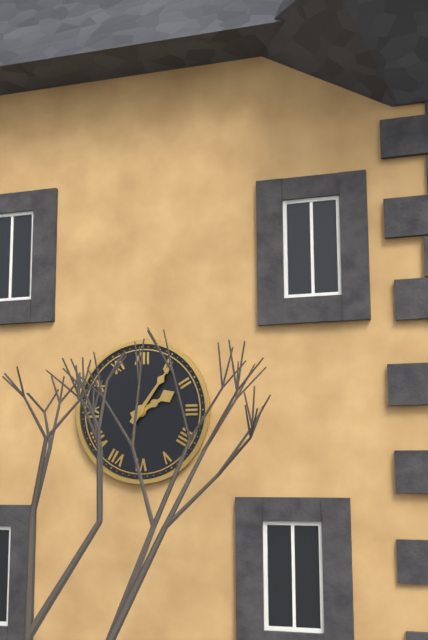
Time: **2:06**
